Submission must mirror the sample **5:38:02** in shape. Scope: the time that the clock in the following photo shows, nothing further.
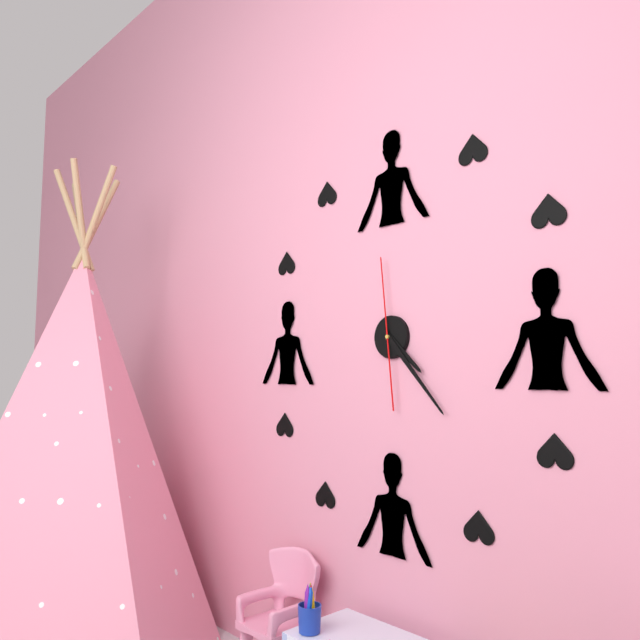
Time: **4:23:59**
